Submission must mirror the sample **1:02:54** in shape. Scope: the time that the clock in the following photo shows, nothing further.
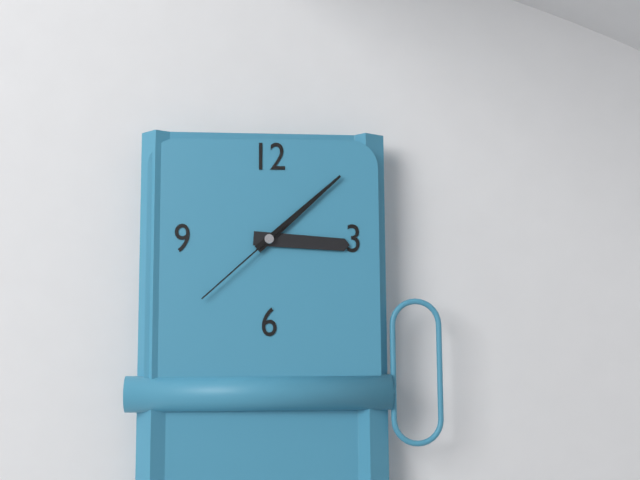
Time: **3:08:38**
